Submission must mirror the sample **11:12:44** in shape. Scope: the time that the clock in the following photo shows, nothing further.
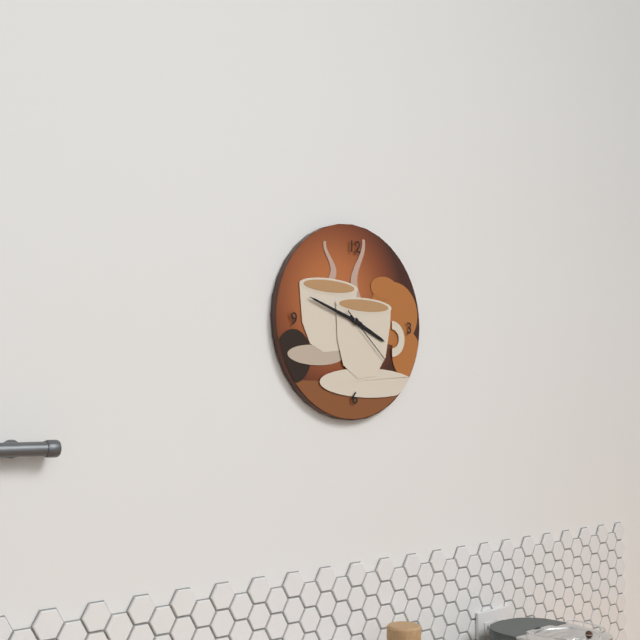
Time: **3:48:22**
